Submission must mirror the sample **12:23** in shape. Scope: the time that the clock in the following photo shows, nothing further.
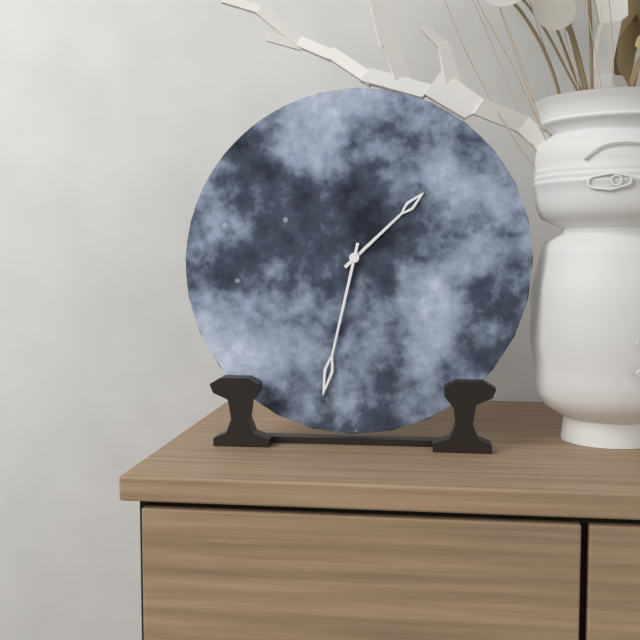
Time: **1:32**
